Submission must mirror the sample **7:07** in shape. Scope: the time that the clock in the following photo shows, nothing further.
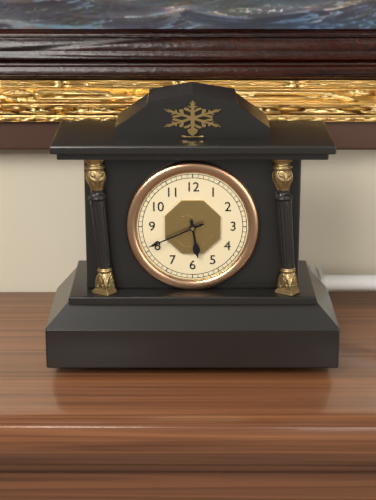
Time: **5:41**
